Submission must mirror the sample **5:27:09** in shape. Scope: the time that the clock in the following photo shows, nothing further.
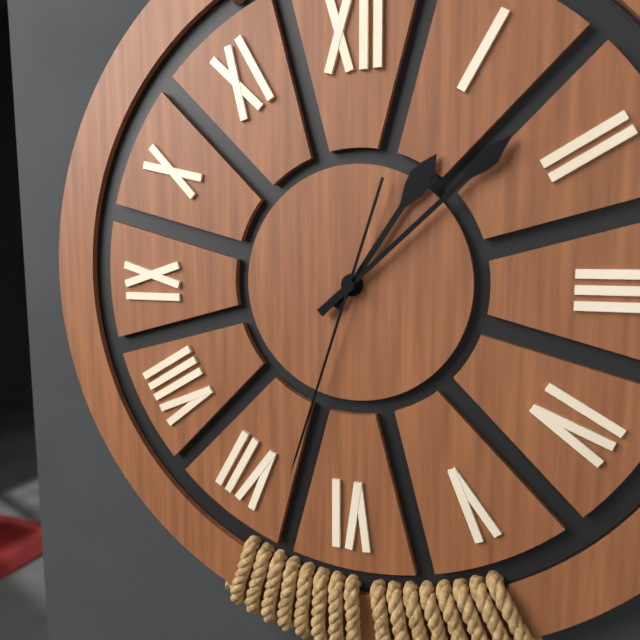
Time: **1:08:33**
